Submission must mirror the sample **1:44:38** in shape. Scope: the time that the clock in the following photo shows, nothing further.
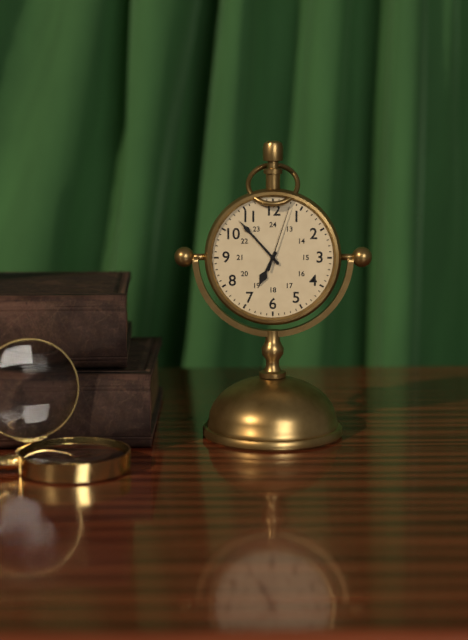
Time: **6:53:03**
